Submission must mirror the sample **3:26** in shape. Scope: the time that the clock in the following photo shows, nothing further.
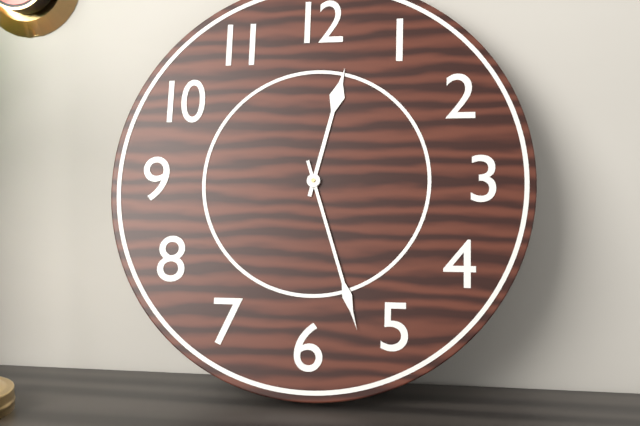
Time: **12:27**
